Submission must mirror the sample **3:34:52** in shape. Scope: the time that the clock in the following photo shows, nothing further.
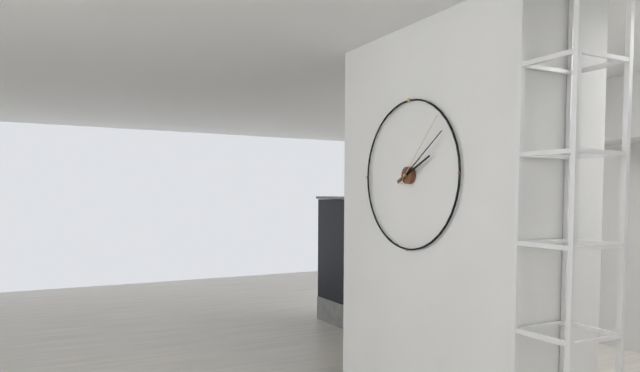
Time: **2:09:07**
